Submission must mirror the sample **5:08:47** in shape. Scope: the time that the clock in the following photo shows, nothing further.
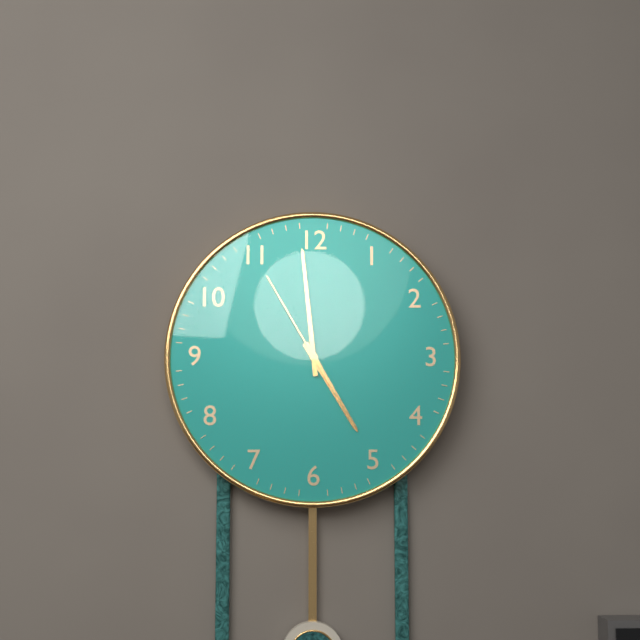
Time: **4:59:55**
